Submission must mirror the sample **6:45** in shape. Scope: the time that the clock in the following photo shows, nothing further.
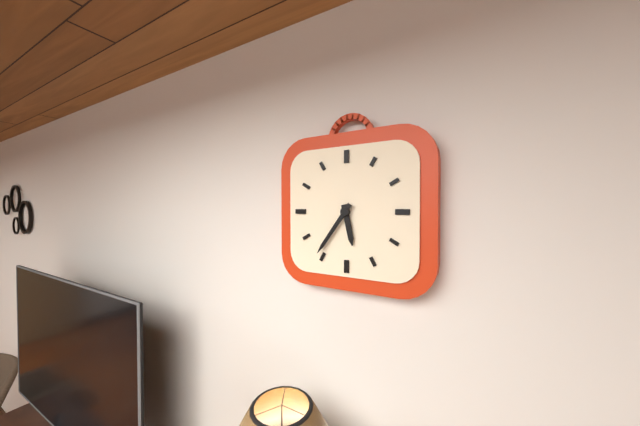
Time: **5:36**
